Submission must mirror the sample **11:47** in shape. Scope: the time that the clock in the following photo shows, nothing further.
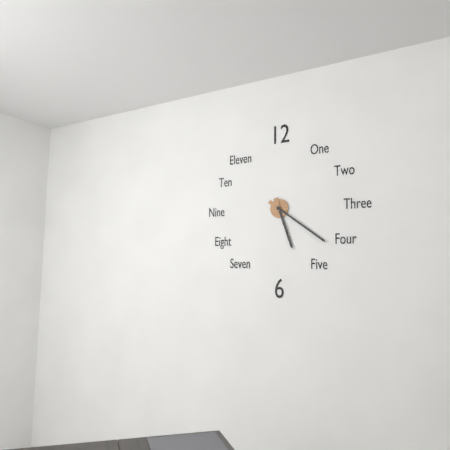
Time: **5:21**
